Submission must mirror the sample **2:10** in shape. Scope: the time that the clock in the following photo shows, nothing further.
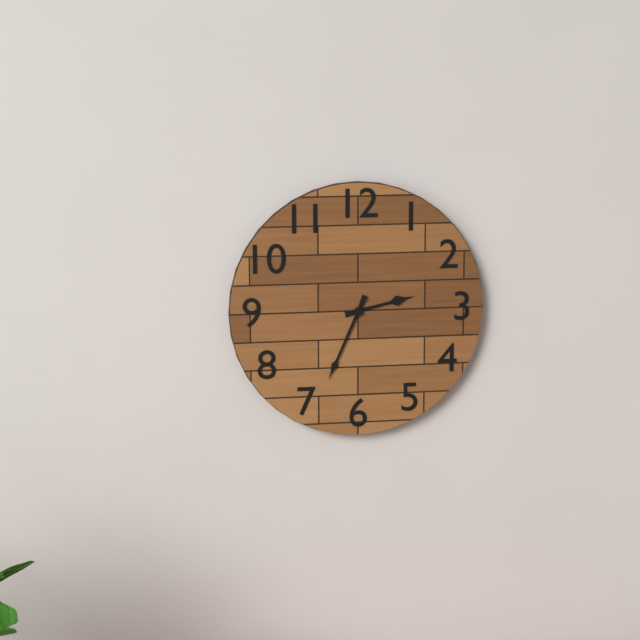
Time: **2:34**
